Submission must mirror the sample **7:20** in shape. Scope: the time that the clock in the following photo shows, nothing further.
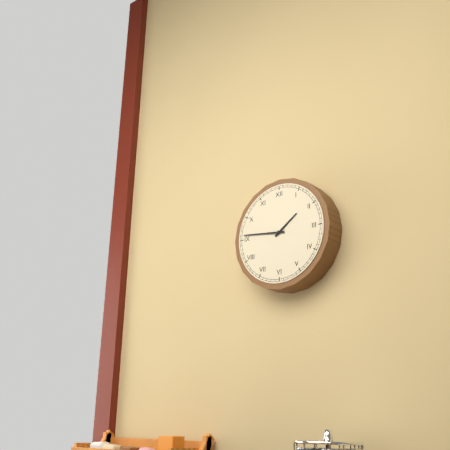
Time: **1:46**
